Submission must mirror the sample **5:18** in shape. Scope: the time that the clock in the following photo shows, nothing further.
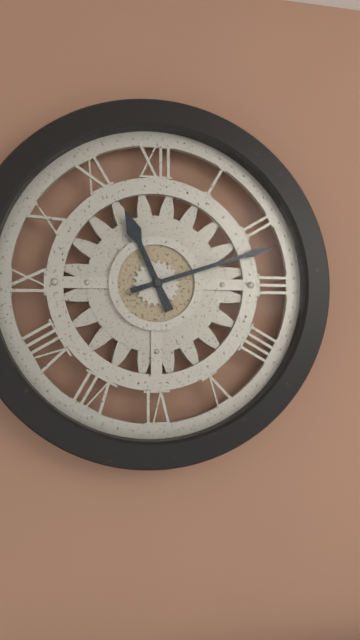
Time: **11:12**
